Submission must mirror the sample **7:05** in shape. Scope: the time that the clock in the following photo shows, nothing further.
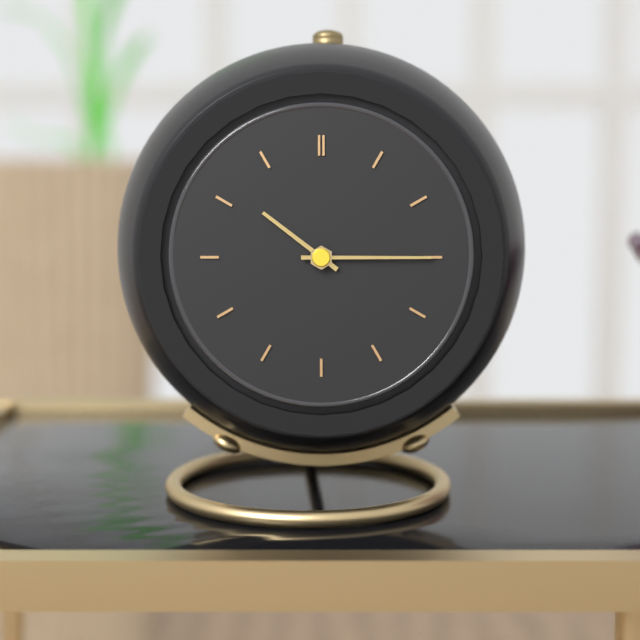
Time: **10:15**
